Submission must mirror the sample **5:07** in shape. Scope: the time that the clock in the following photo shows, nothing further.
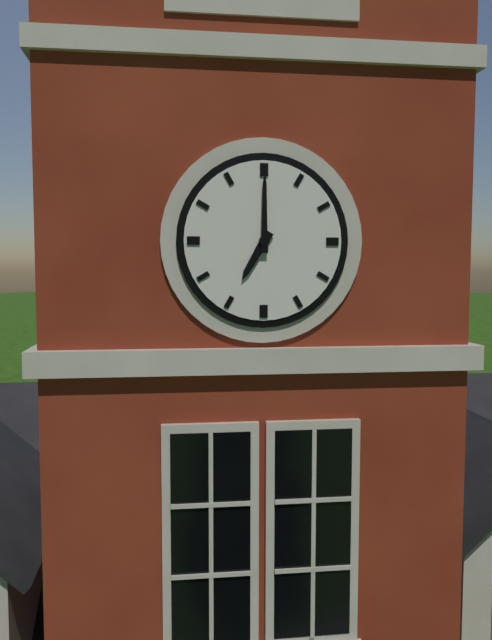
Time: **7:00**
